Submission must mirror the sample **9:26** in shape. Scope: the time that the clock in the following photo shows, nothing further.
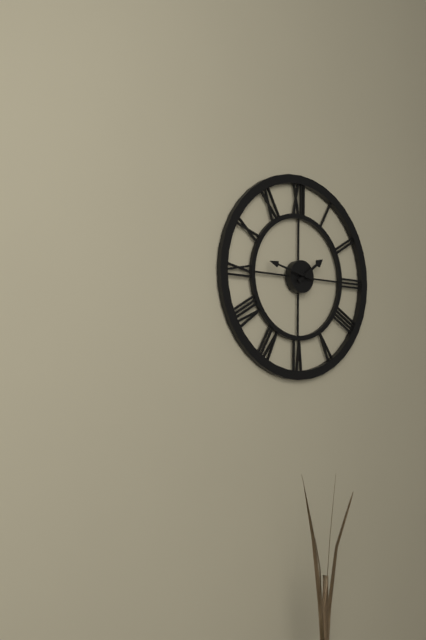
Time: **1:47**
